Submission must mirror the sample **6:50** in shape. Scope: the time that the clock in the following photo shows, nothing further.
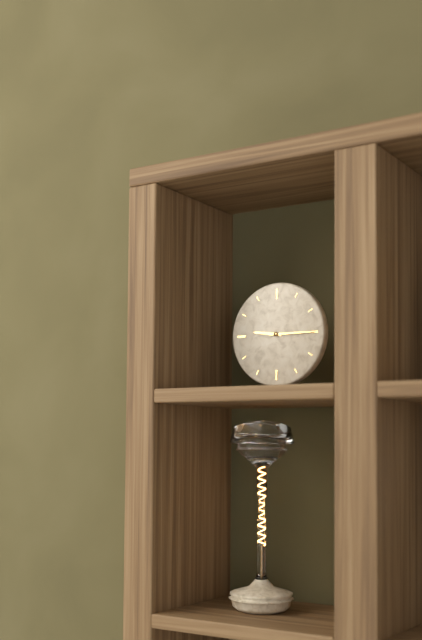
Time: **9:15**
